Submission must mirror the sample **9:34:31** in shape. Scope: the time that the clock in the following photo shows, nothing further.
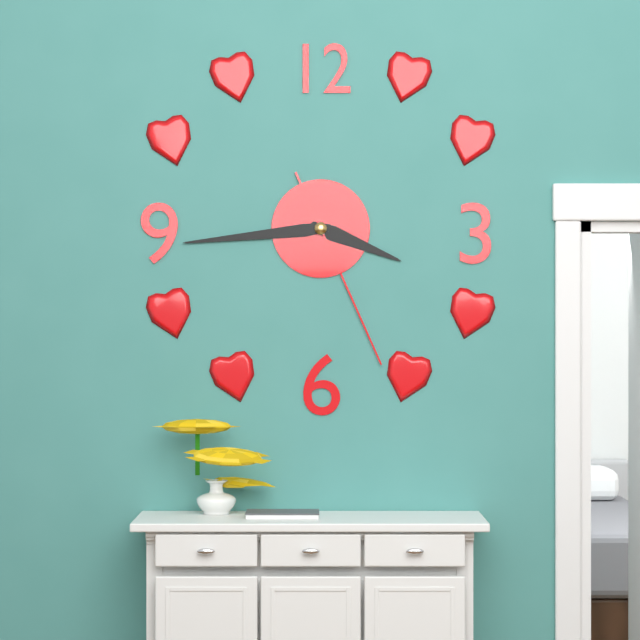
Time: **3:44:26**
